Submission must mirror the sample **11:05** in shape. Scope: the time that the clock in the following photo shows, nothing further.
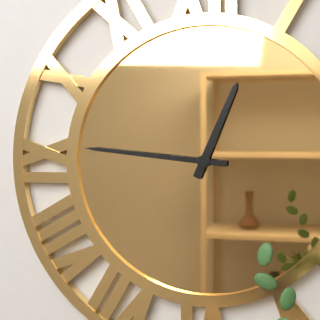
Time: **12:46**
